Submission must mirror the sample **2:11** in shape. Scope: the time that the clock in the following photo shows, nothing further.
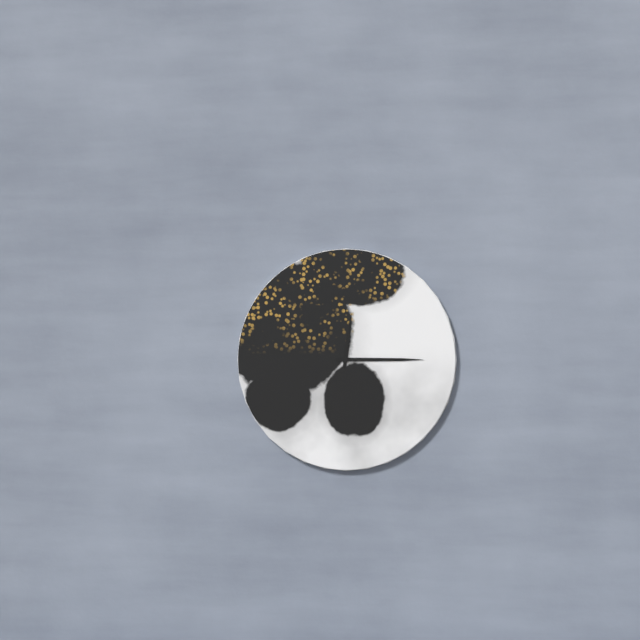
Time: **12:15**
